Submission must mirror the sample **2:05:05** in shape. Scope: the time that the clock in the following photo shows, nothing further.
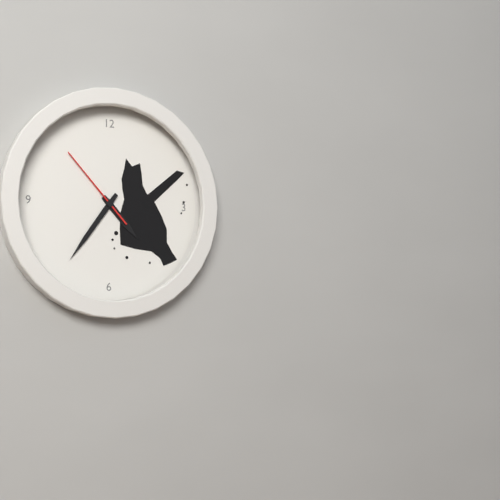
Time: **4:36:53**
